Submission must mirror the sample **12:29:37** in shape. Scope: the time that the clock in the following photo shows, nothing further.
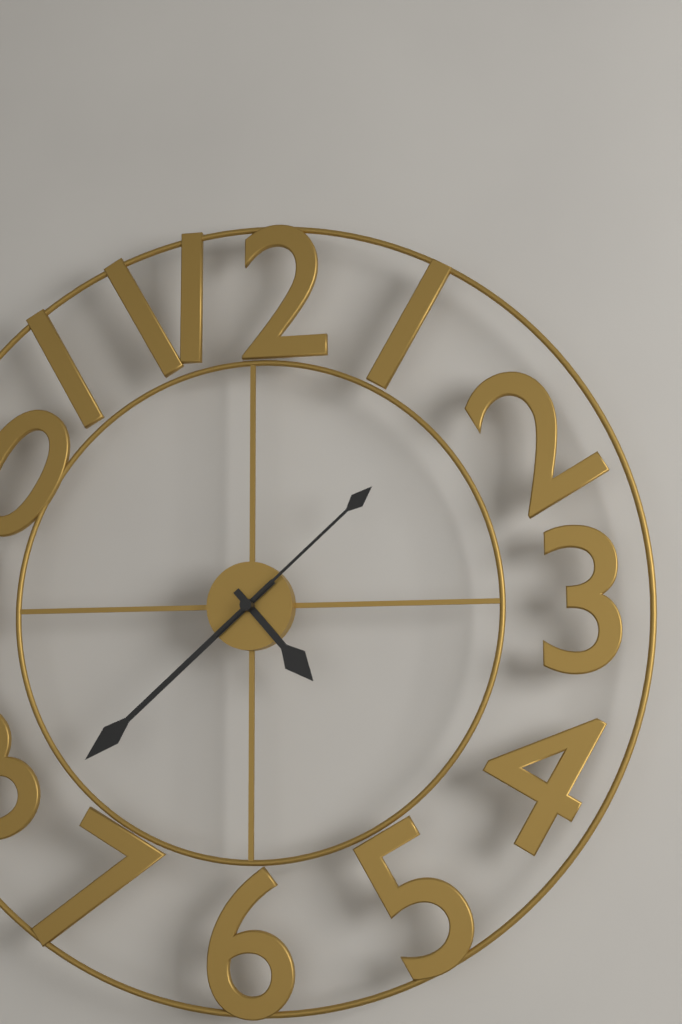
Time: **4:38:08**
